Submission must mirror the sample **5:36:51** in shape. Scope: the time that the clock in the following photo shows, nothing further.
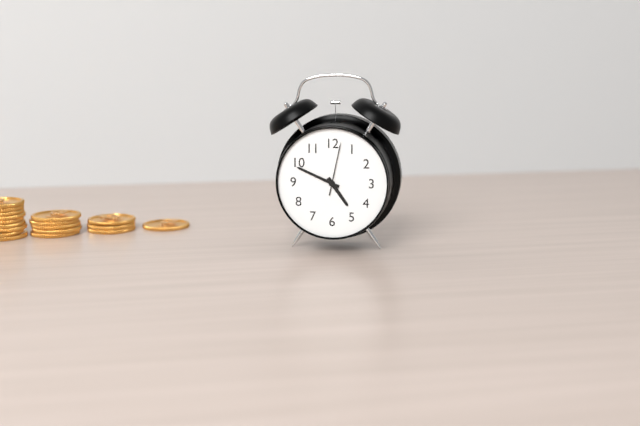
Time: **4:49:02**
